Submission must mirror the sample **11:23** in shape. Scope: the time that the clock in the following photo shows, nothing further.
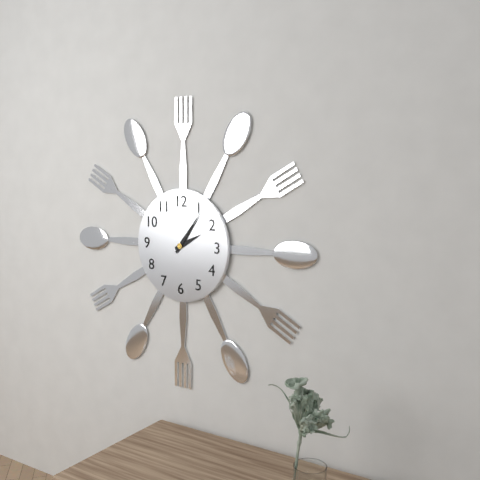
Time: **2:06**
